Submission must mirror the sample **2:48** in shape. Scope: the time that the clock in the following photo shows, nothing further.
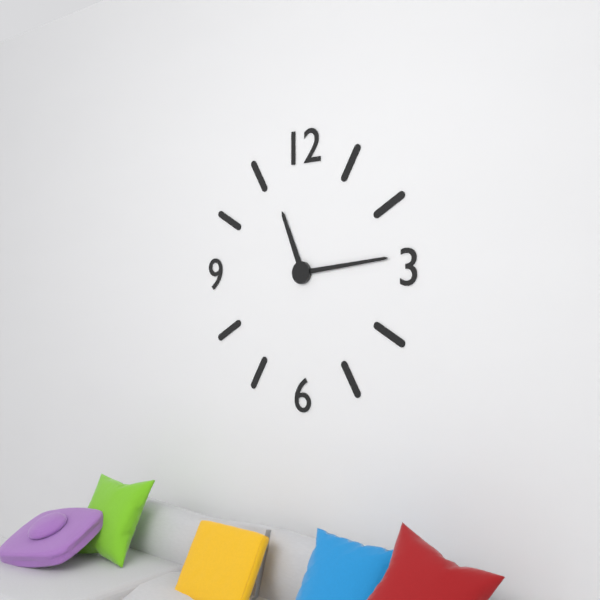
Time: **11:14**
